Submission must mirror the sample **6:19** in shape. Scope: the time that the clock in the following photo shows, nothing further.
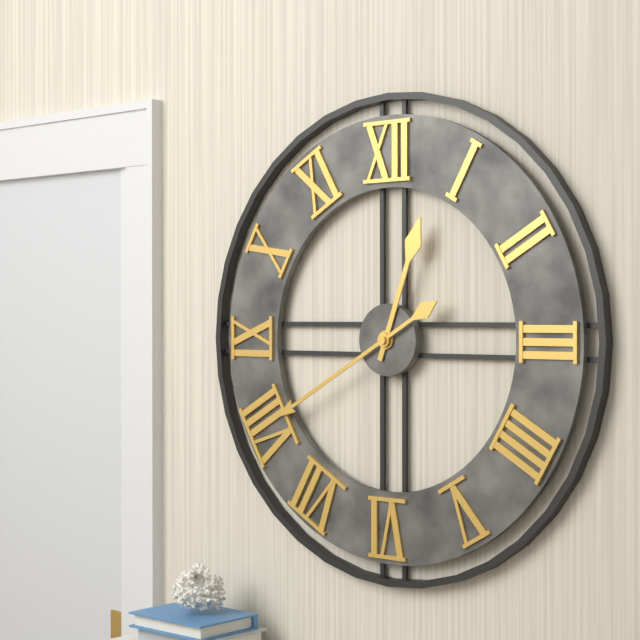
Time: **12:40**
